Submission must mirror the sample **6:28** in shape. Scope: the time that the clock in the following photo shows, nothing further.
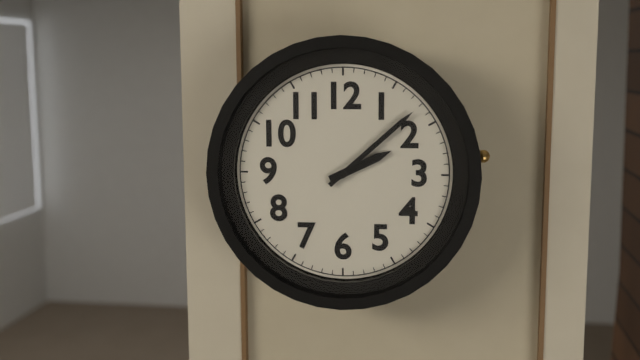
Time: **2:08**
